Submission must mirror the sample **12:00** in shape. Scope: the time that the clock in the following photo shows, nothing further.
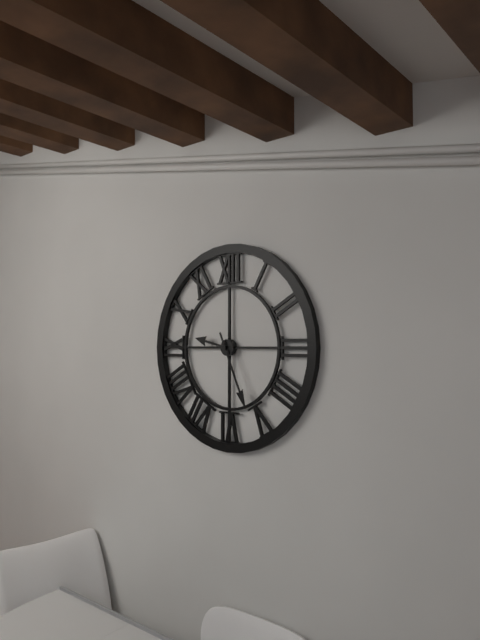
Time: **9:26**
